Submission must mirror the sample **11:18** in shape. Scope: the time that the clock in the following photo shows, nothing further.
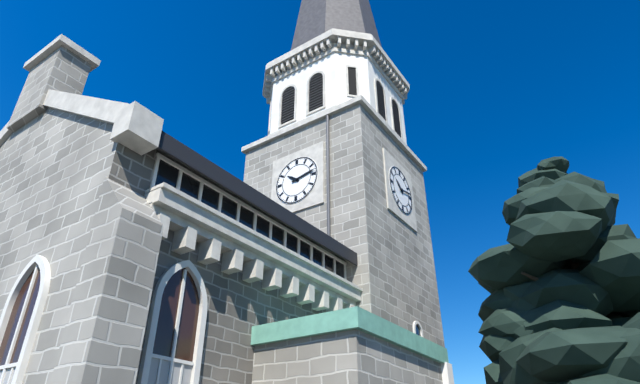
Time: **10:13**
